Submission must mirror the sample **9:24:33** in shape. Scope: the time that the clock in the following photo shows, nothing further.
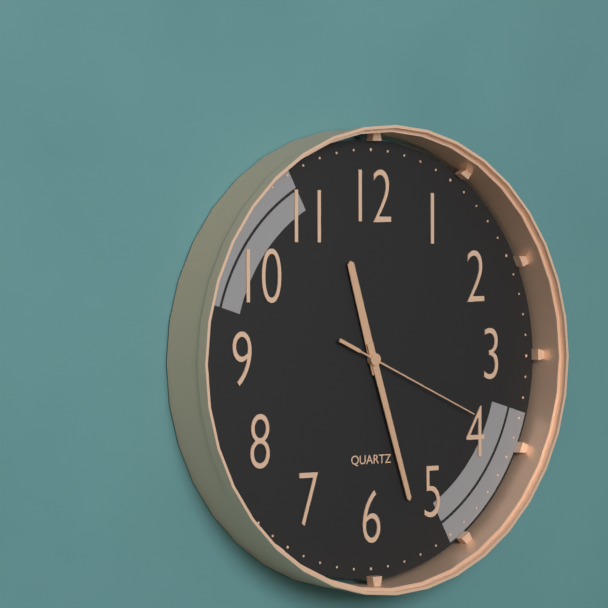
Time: **11:27:19**
